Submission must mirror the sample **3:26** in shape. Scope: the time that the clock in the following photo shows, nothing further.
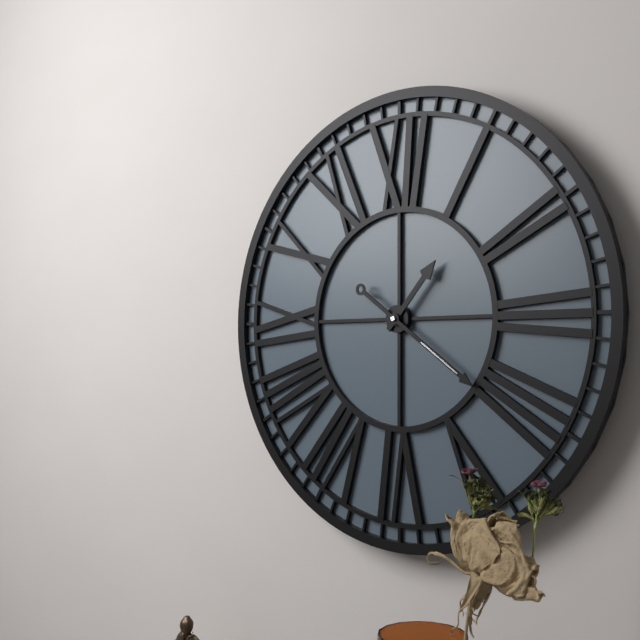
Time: **1:21**
